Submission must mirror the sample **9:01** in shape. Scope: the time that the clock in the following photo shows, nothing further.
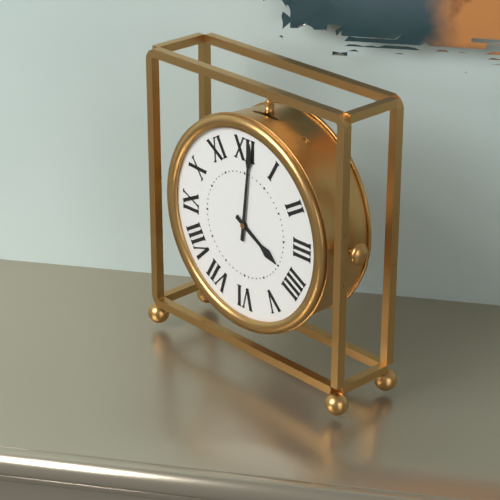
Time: **4:01**
